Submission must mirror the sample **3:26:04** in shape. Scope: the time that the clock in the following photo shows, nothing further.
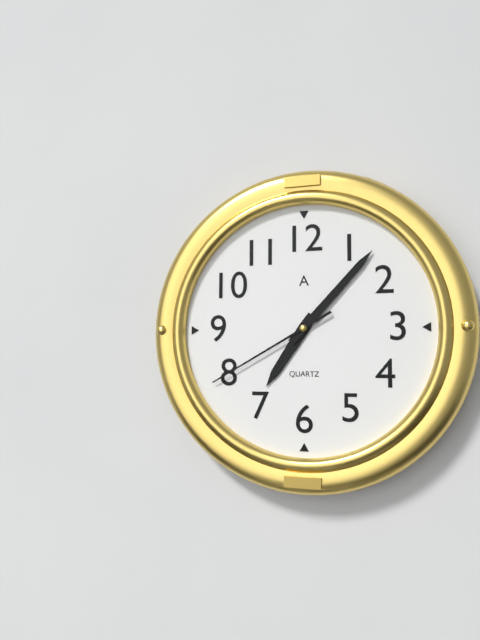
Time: **7:07:40**
